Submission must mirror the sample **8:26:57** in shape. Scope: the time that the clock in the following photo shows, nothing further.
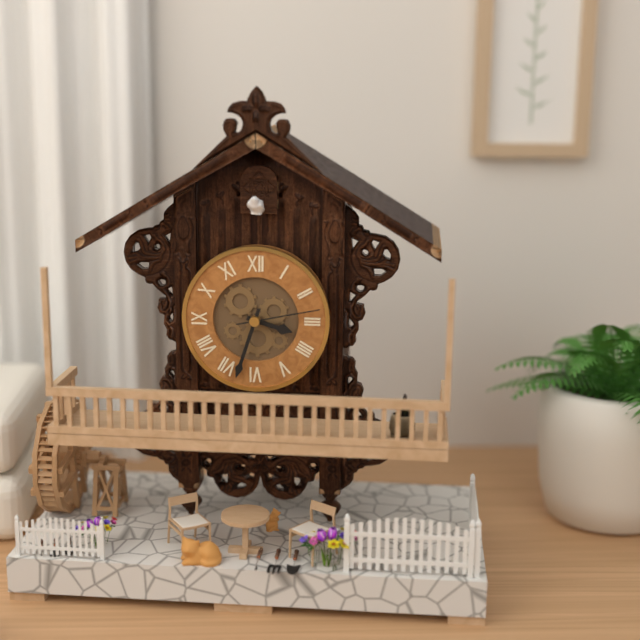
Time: **3:33:13**
